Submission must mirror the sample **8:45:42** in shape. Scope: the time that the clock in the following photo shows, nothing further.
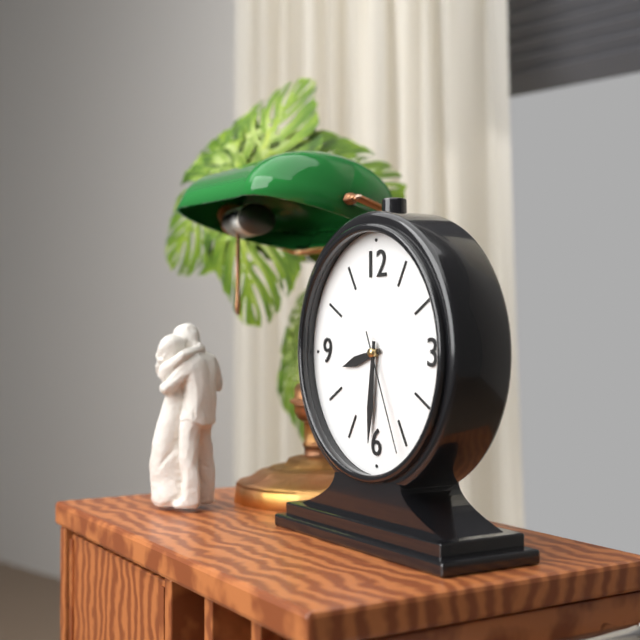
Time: **8:31:26**
